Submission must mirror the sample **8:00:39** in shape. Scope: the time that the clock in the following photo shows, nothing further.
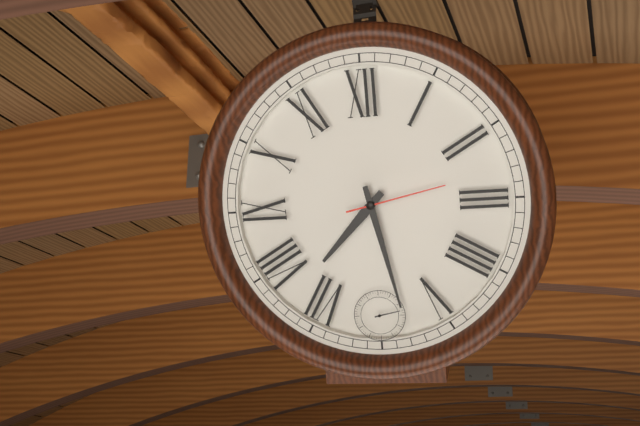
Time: **7:28:13**
